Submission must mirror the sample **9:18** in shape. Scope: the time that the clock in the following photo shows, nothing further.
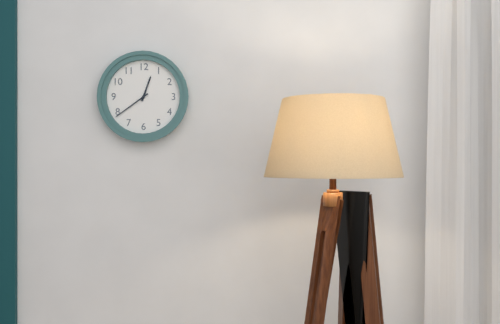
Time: **12:39**
